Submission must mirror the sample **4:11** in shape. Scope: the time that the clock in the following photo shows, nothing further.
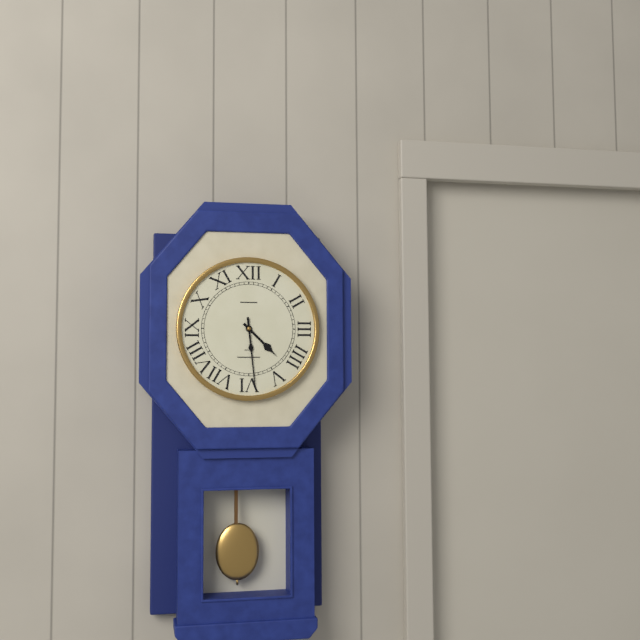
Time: **4:29**
